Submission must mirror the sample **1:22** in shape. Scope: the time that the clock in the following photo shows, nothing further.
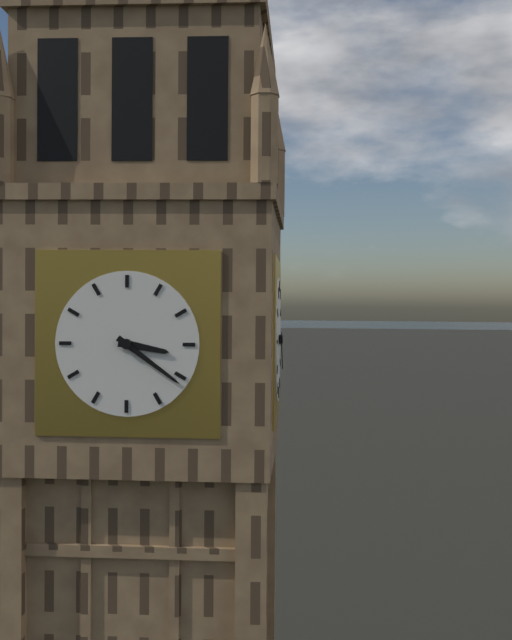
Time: **3:21**
